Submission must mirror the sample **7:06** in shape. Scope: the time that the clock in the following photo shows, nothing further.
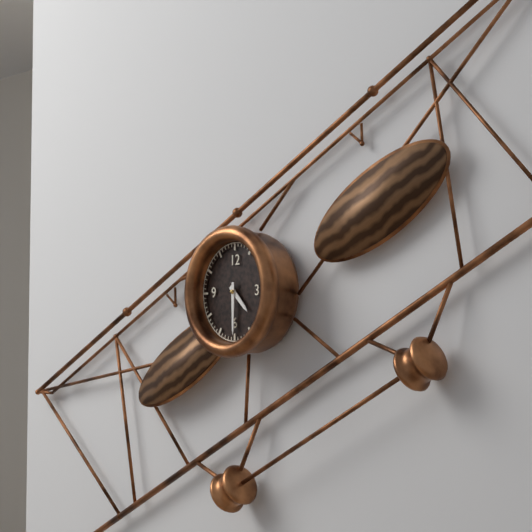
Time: **4:30**
